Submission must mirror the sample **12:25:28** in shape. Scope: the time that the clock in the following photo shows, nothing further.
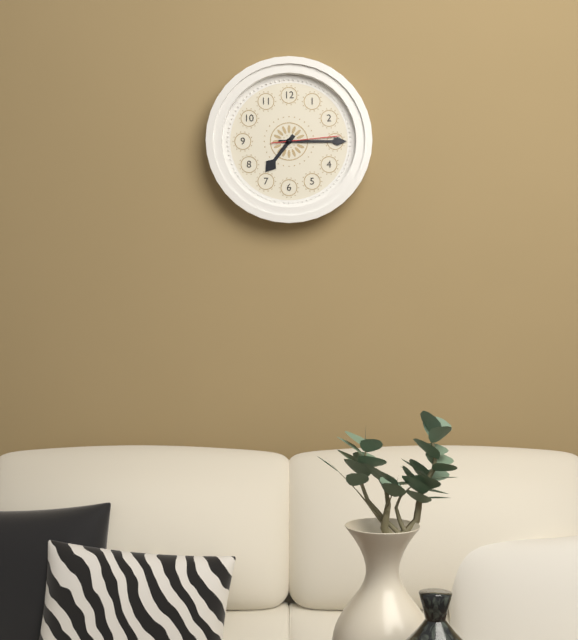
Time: **7:15:14**
